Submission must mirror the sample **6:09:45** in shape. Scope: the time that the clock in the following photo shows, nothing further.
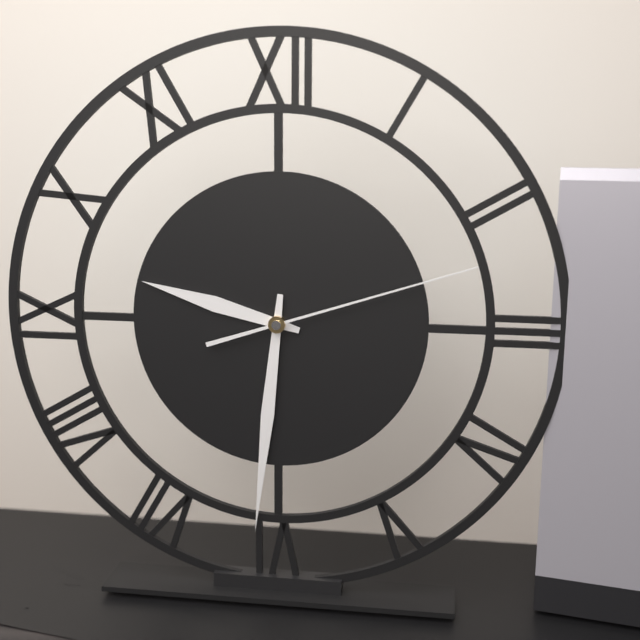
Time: **9:31:12**
